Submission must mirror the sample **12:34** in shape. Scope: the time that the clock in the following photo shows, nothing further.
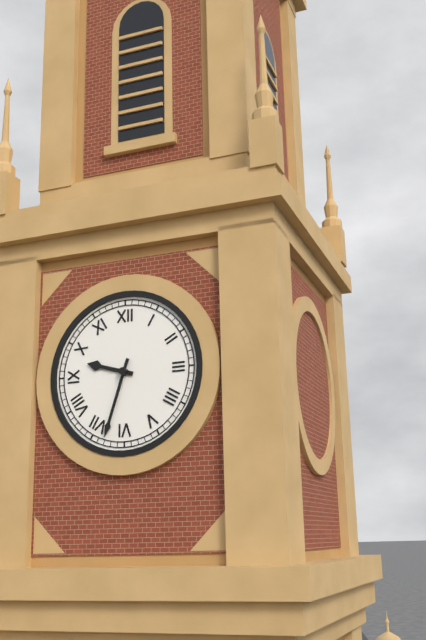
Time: **9:33**
